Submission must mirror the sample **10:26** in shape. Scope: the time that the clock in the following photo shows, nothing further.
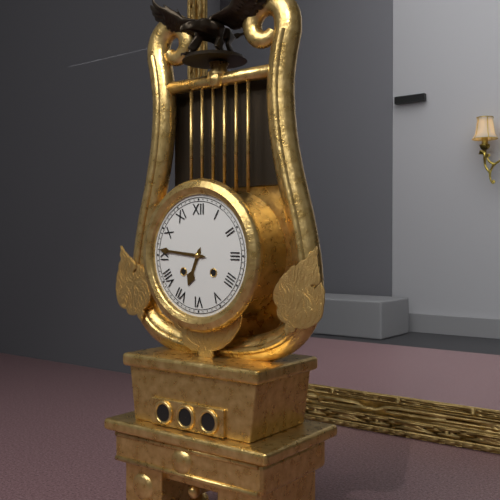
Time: **6:46**
